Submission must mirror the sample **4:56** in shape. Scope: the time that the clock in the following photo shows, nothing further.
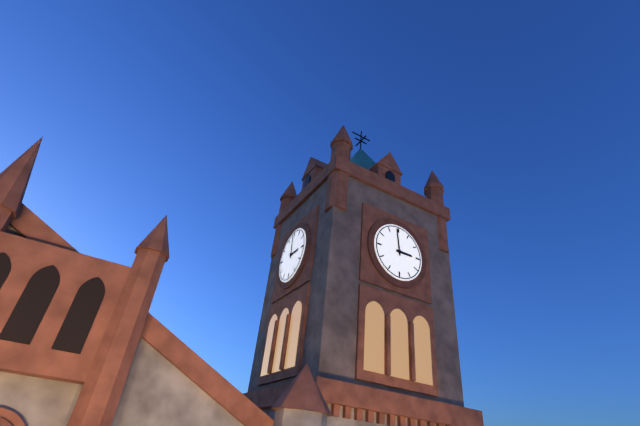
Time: **2:59**
